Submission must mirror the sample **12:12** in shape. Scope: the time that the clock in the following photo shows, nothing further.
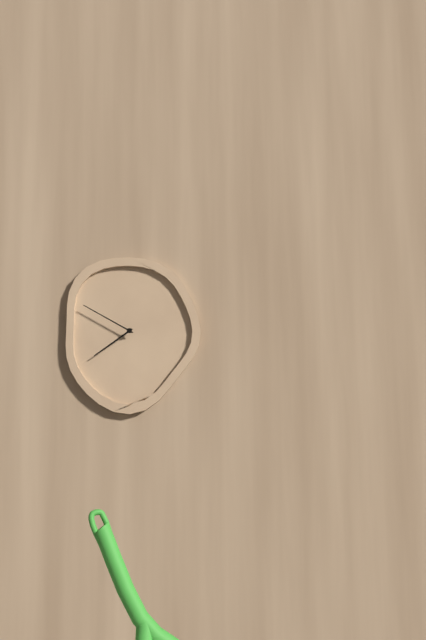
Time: **7:50**
